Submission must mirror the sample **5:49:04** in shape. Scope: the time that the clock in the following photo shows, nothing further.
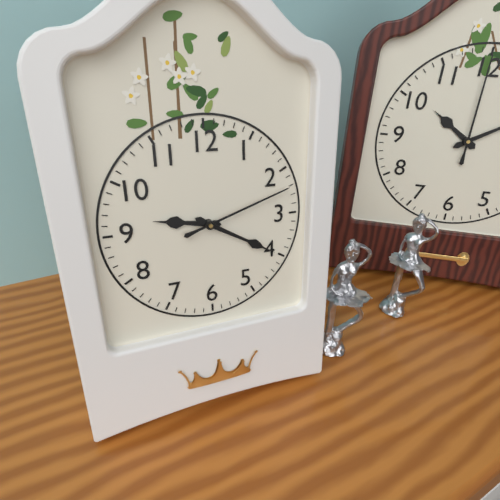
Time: **9:20:12**
